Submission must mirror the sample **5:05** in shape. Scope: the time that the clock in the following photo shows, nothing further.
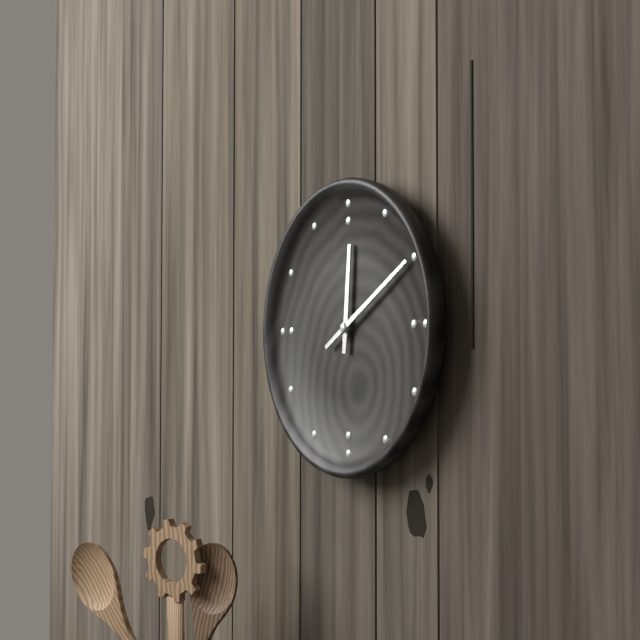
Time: **12:10**
